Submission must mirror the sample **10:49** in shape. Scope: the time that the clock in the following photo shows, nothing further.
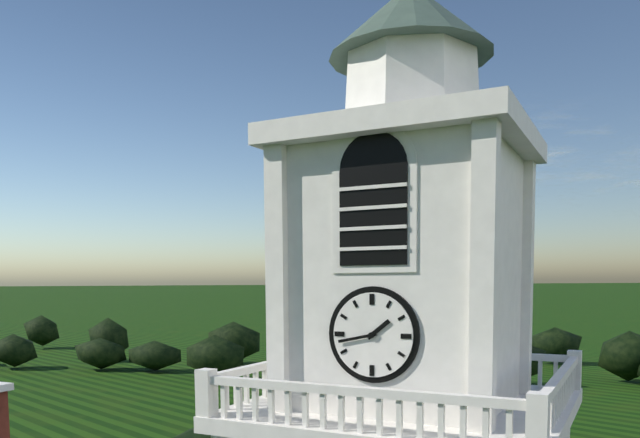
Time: **1:43**
